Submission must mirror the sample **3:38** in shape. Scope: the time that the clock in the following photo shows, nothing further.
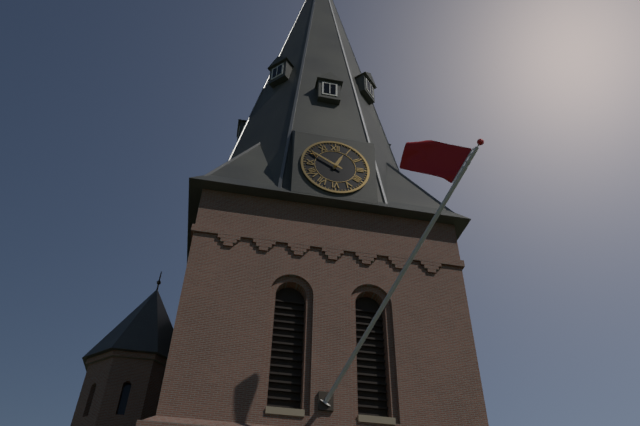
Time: **12:50**
